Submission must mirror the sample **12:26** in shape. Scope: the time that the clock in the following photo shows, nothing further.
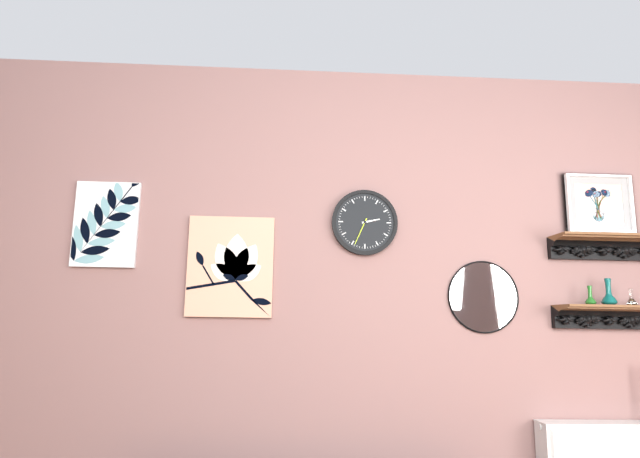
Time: **2:34**
